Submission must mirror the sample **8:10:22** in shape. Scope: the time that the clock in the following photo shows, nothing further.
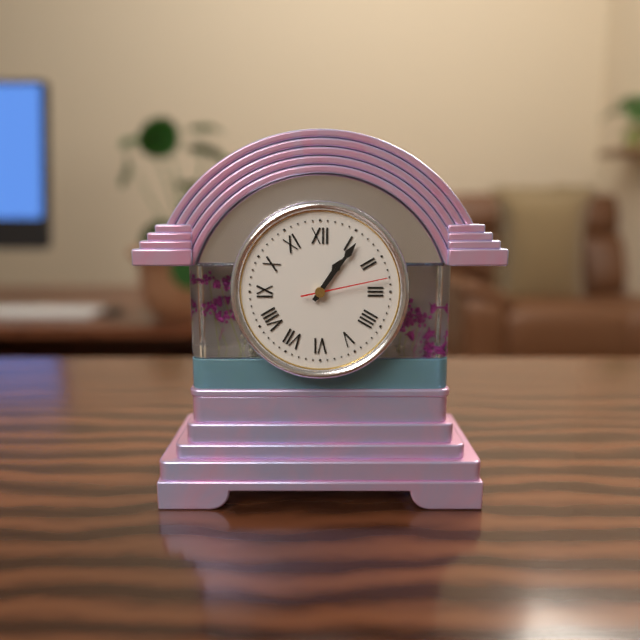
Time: **1:06:13**
